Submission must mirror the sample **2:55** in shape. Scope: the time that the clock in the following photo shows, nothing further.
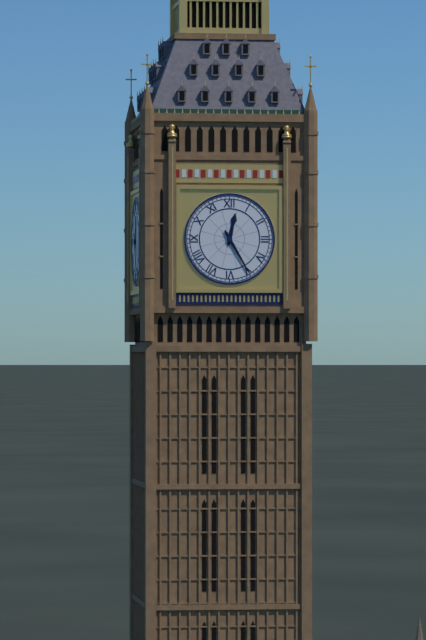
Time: **12:25**
